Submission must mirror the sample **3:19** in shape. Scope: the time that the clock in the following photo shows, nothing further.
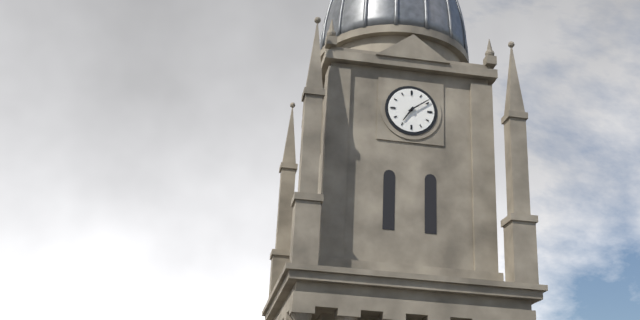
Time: **7:09**
